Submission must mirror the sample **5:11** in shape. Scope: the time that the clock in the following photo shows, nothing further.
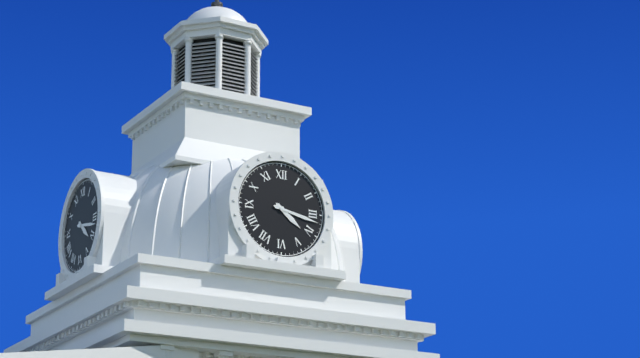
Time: **4:17**
